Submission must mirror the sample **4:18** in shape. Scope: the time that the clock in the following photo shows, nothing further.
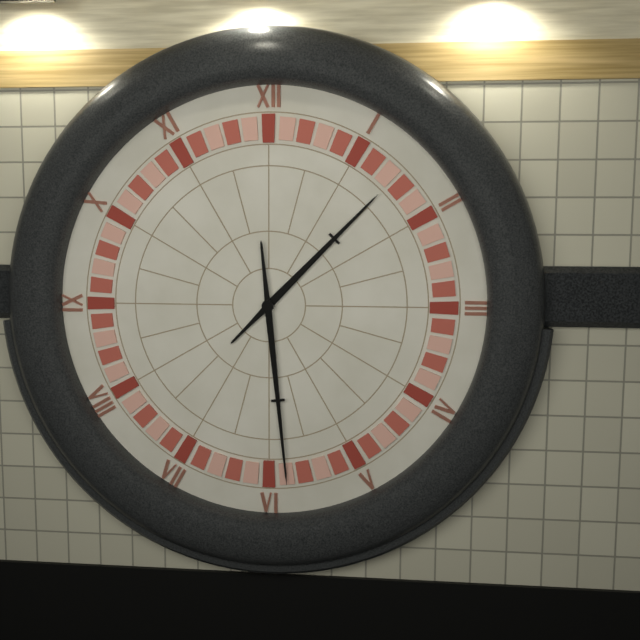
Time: **1:29**
